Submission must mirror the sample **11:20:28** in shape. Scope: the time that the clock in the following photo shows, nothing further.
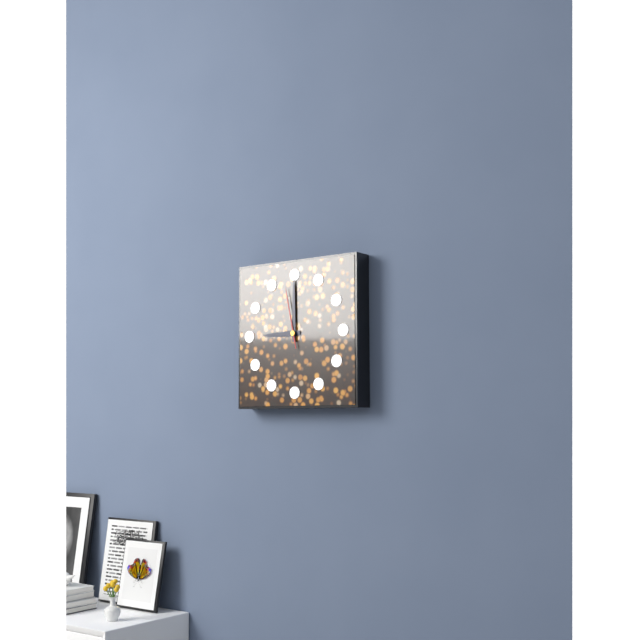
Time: **9:00:58**
